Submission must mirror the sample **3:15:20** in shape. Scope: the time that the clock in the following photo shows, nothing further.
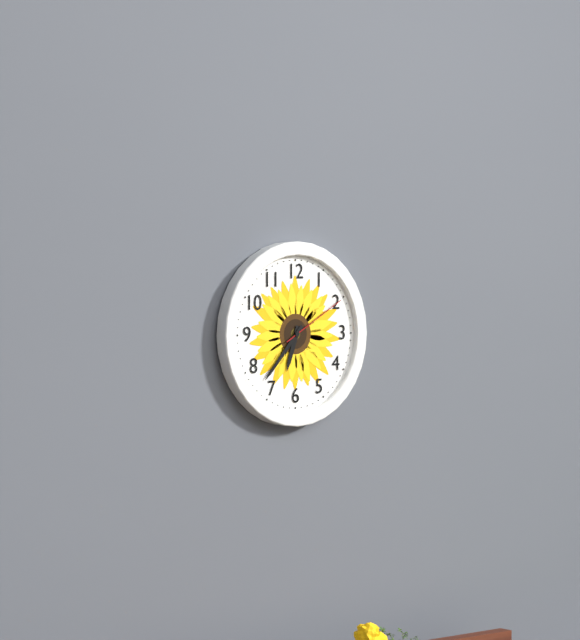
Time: **6:37:10**
